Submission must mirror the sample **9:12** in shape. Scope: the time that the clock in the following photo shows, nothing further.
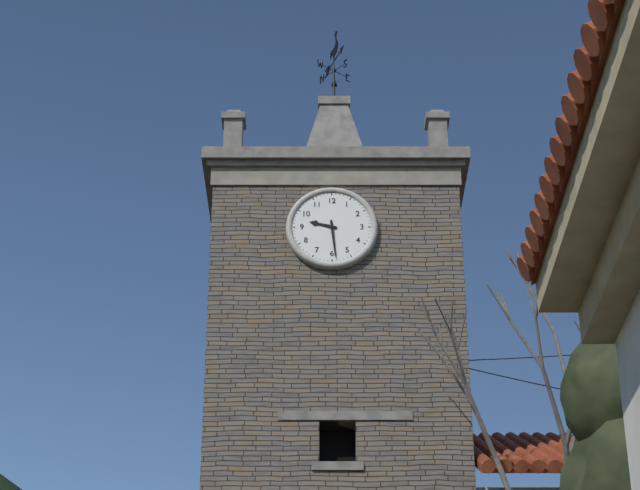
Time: **9:29**
